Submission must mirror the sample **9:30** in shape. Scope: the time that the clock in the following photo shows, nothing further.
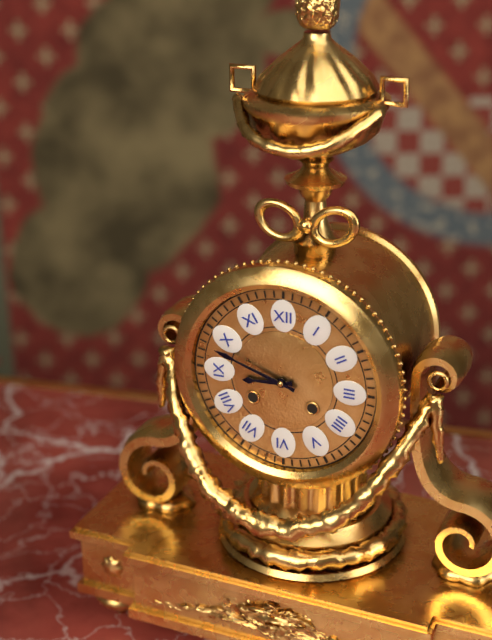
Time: **8:48**
